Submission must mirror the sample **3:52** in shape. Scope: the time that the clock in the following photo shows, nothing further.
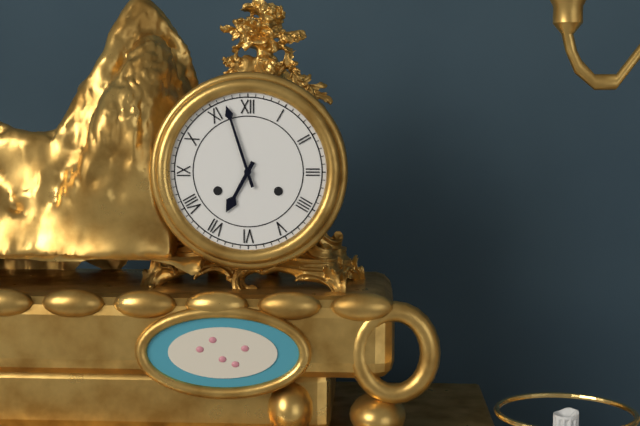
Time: **6:57**
